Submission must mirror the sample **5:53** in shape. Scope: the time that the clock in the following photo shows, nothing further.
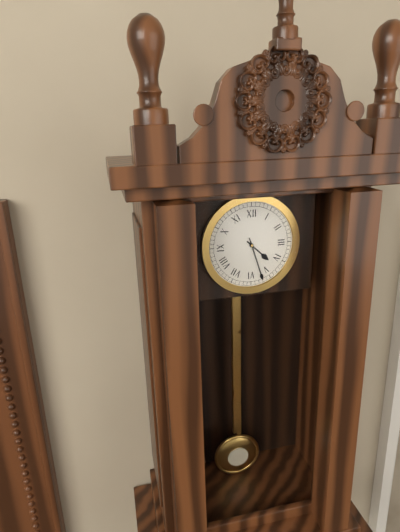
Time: **4:27**
